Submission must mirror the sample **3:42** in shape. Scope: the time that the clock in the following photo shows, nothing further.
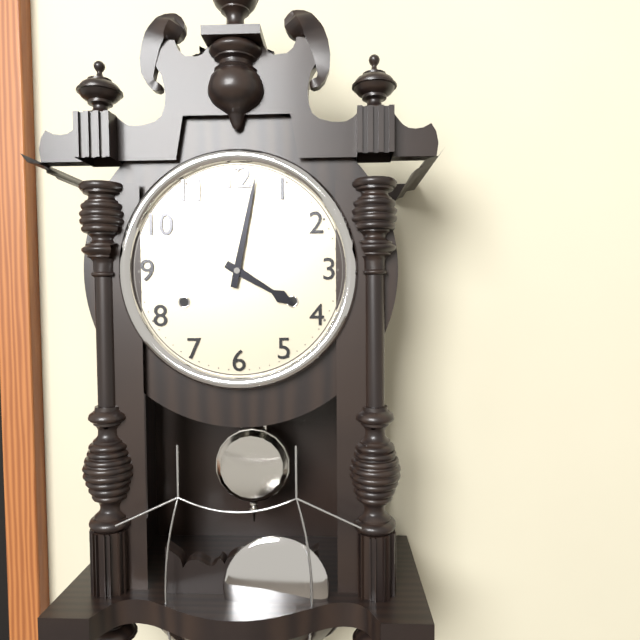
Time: **4:02**
